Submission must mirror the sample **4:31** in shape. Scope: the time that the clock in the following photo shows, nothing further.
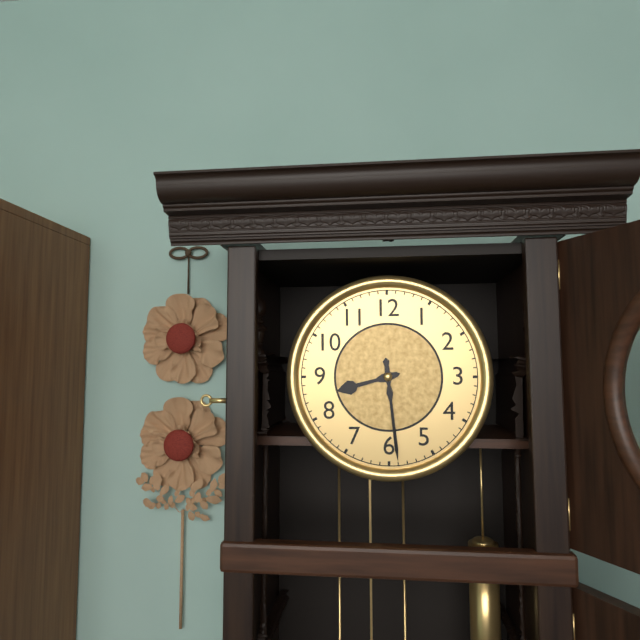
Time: **8:29**
